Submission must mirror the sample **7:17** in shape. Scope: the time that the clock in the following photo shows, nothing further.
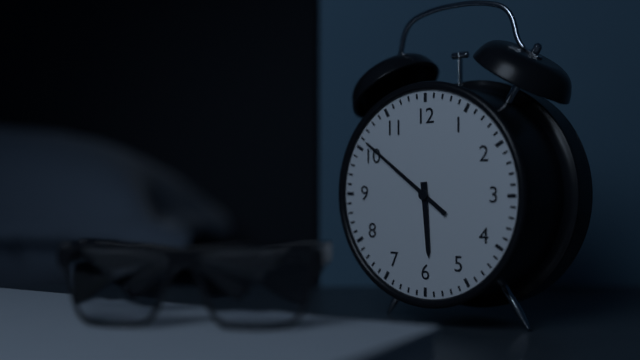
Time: **5:51**
